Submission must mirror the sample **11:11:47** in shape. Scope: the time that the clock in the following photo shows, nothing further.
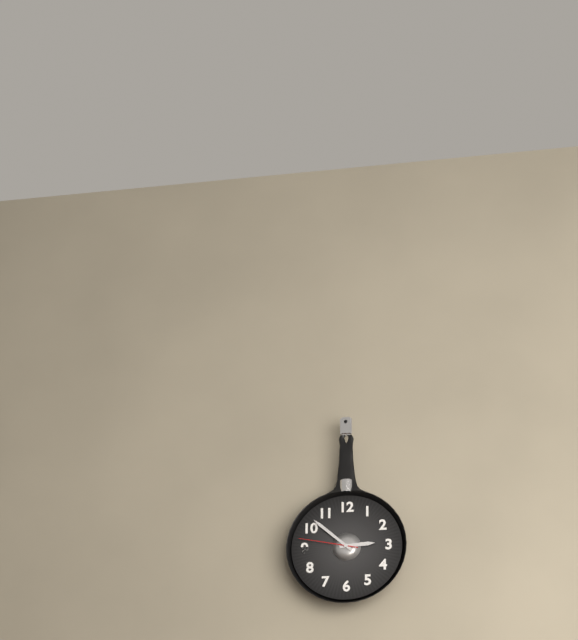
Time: **2:52:47**
